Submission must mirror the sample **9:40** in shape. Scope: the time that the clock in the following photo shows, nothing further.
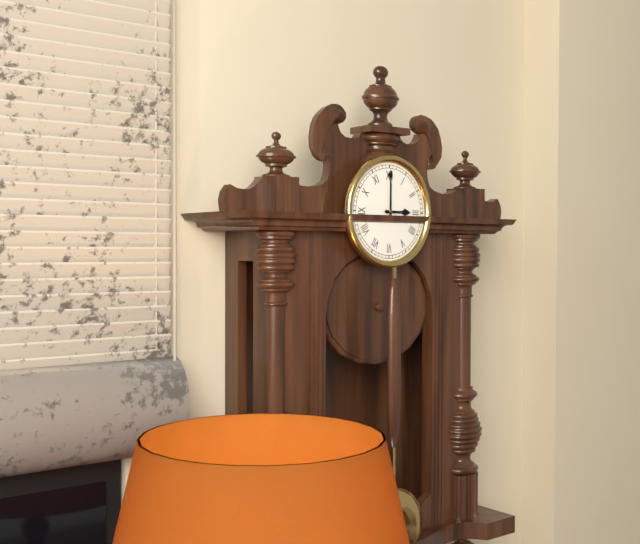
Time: **3:00**
